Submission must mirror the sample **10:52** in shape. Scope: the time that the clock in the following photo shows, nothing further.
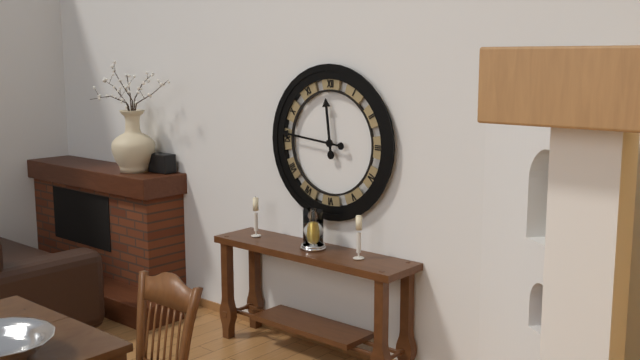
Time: **11:46**
